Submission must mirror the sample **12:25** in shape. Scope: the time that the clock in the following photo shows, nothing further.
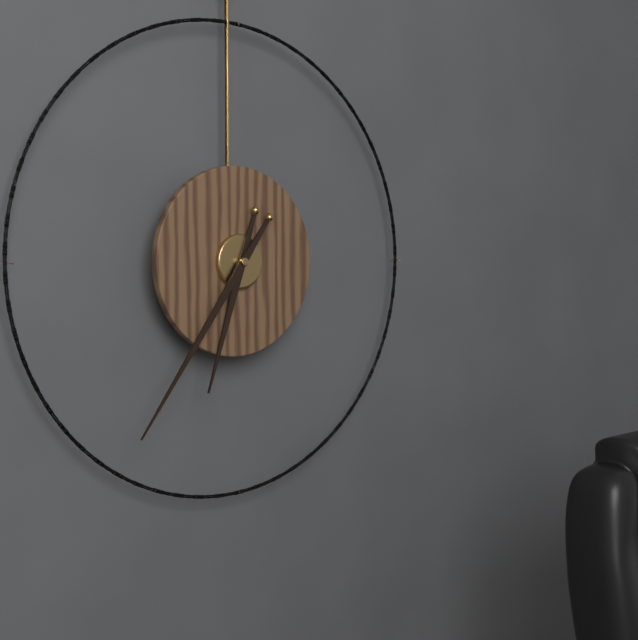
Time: **6:36**
